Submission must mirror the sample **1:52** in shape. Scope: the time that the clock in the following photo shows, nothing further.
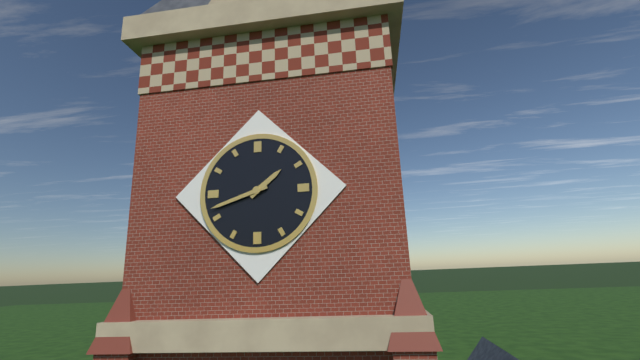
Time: **1:42**
